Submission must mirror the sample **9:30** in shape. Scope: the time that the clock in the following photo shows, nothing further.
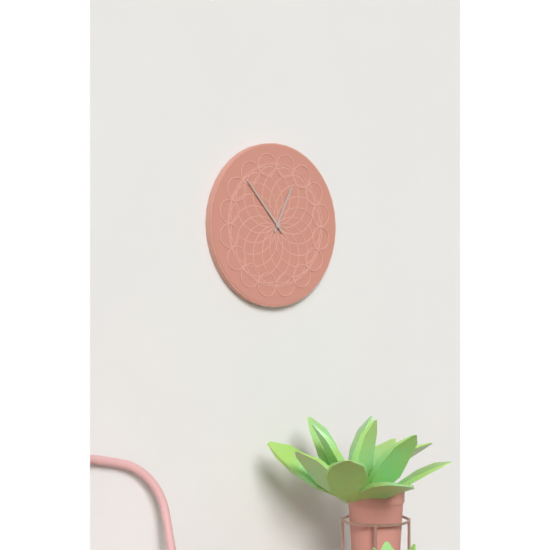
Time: **12:53**
